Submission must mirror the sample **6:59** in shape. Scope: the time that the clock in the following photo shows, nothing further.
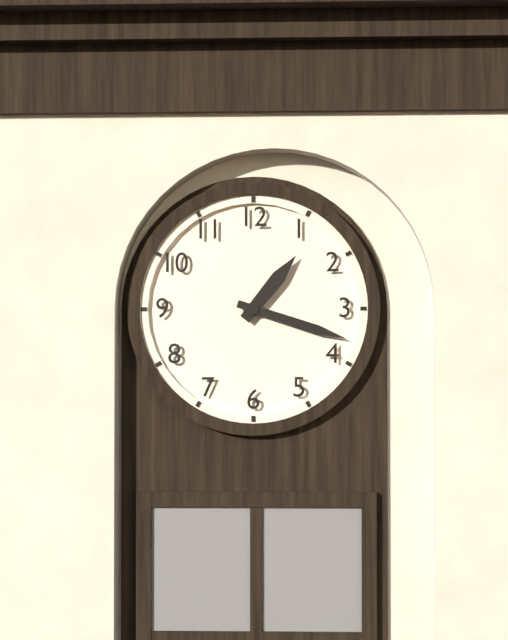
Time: **1:18**
